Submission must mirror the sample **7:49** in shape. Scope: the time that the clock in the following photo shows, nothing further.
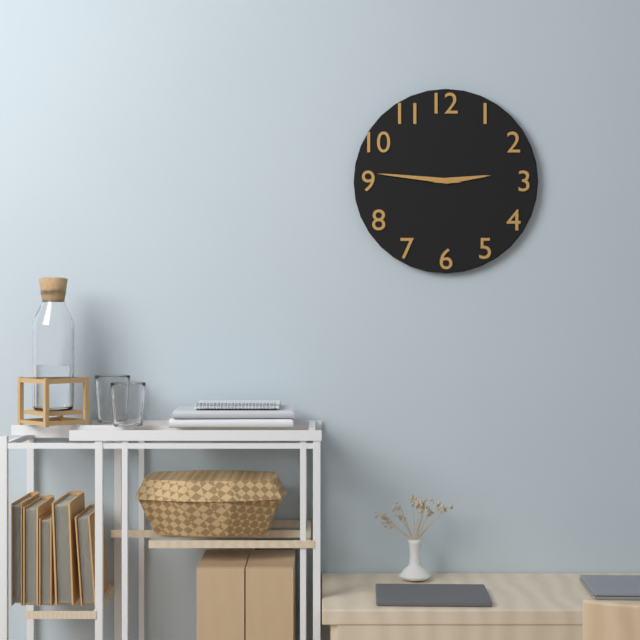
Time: **2:46**
